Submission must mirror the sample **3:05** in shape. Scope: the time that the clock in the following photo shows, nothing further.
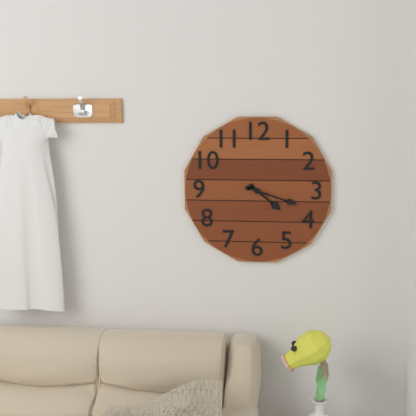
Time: **4:18**
